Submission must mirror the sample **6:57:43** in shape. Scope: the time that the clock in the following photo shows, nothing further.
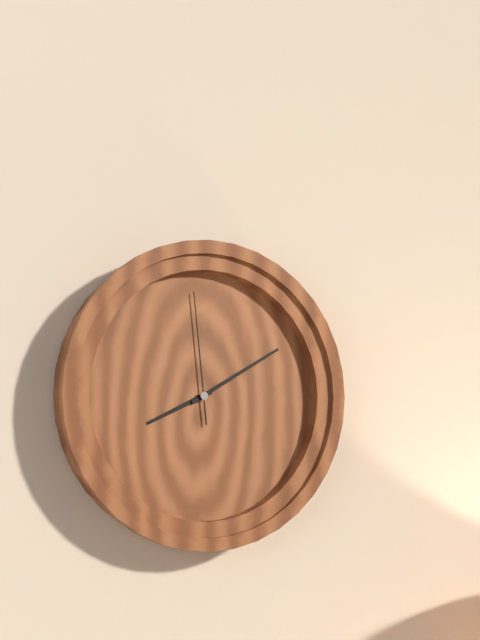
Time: **8:10:59**
